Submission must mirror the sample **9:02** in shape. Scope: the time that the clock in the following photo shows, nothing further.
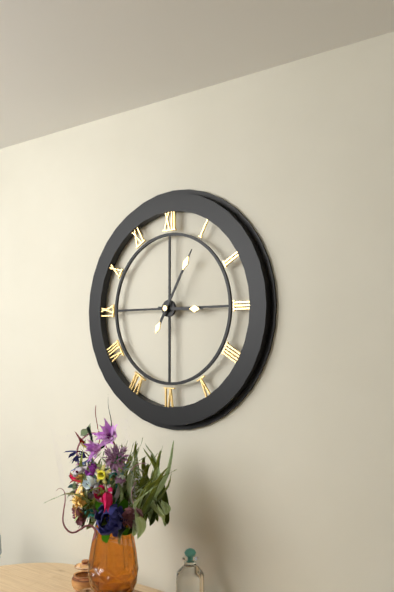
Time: **3:05**
